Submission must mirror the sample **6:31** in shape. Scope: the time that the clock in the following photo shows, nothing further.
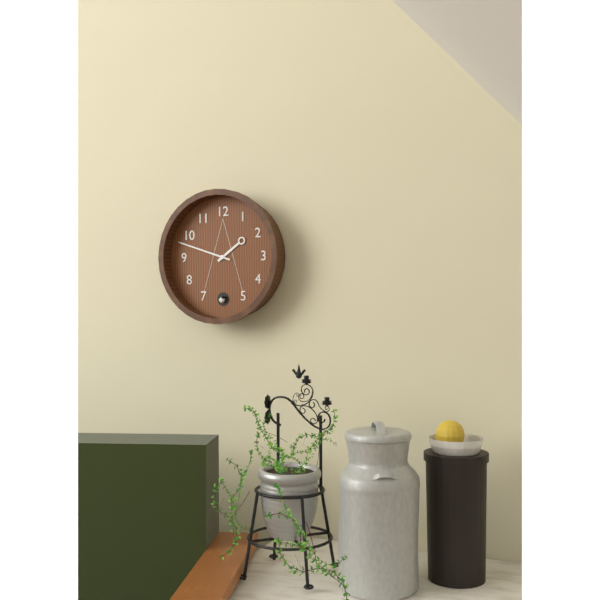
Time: **1:48**
